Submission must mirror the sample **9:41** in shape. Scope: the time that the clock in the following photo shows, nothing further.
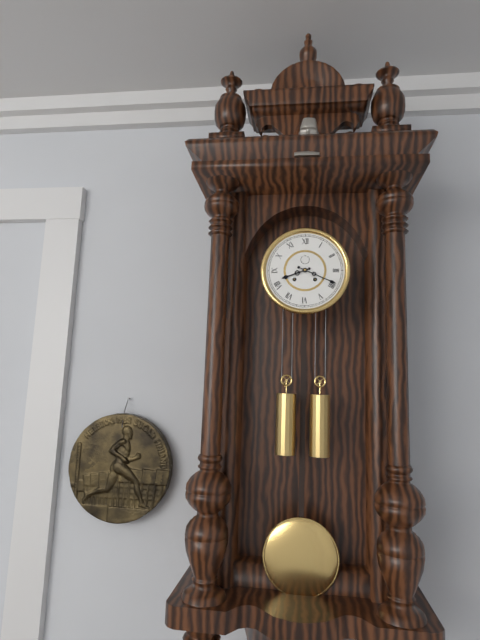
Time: **8:19**
